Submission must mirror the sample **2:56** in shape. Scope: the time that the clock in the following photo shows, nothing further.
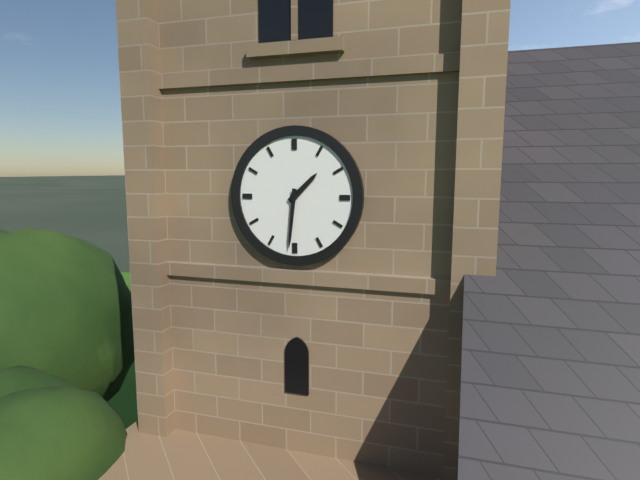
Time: **1:31**
